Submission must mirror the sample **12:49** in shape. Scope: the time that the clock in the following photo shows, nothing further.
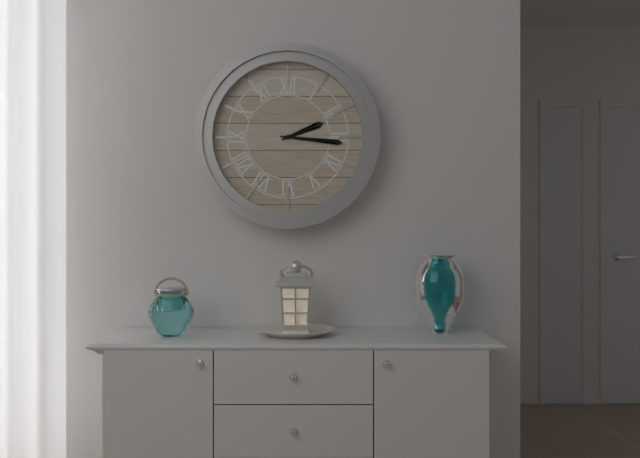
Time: **2:16**
